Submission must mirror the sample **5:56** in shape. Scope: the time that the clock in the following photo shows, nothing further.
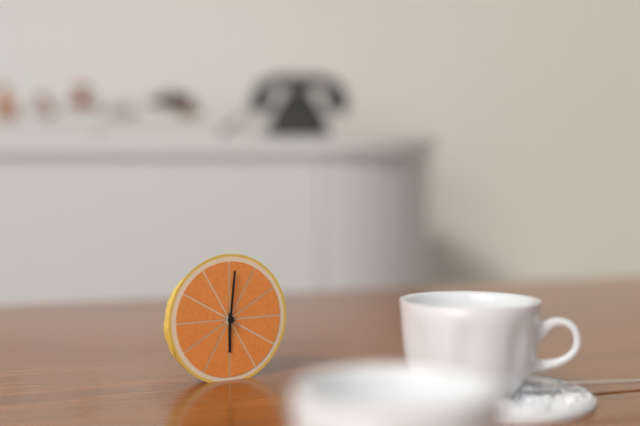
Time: **6:01**
